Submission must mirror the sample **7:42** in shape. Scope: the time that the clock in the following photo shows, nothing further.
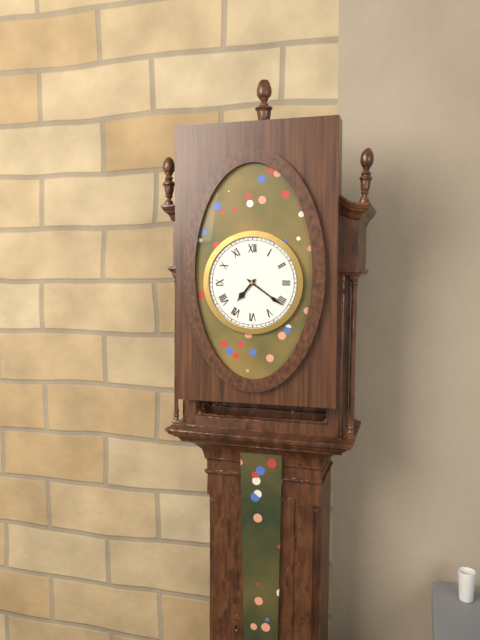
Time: **7:21**
